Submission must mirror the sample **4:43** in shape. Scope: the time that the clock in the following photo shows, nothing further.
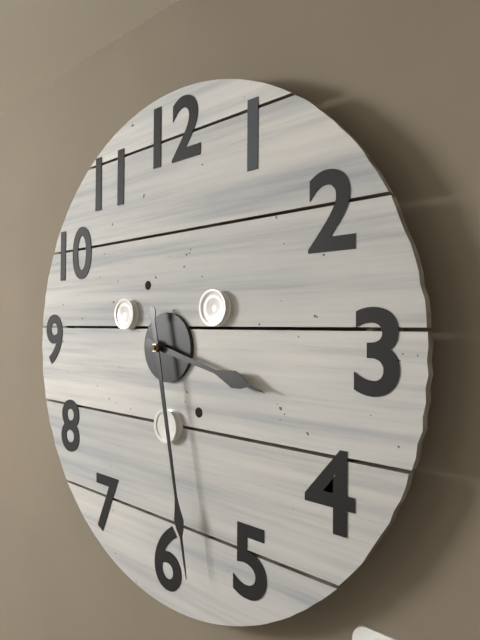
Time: **3:28**
